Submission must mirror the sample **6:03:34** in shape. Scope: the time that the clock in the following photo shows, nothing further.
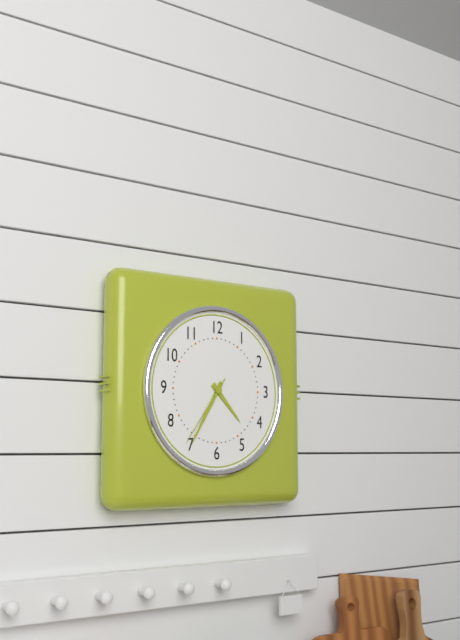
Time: **4:35:36**
